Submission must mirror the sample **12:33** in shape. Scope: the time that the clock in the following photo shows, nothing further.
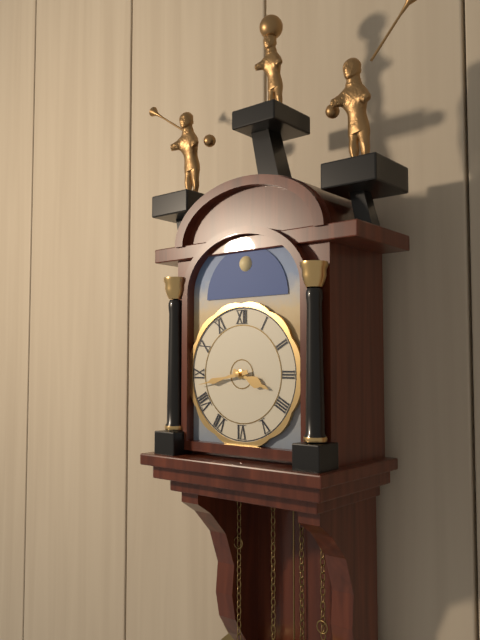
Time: **3:43**
